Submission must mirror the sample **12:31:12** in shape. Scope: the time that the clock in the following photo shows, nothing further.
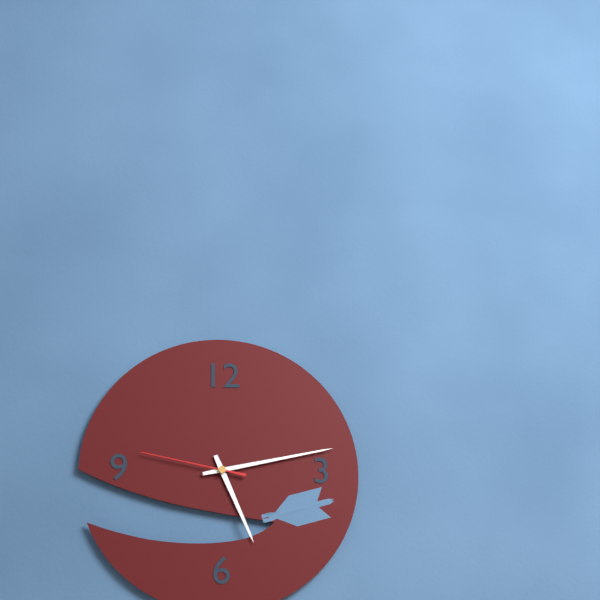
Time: **5:13:47**
